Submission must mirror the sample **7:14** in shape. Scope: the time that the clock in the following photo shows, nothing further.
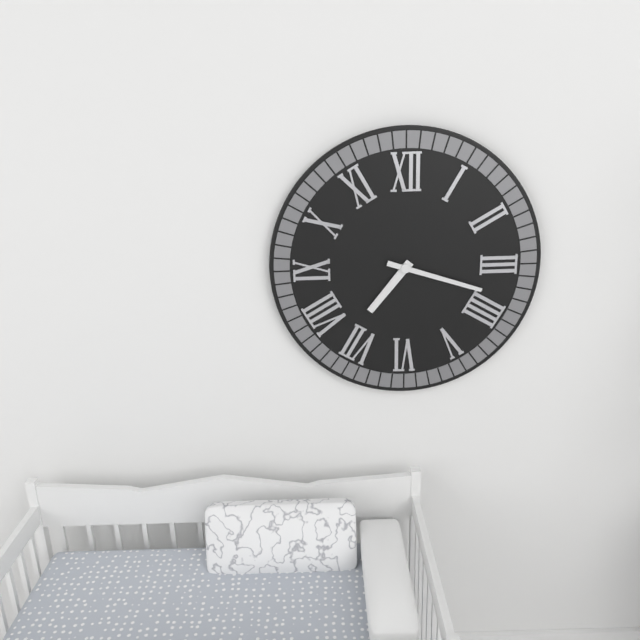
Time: **7:18**
